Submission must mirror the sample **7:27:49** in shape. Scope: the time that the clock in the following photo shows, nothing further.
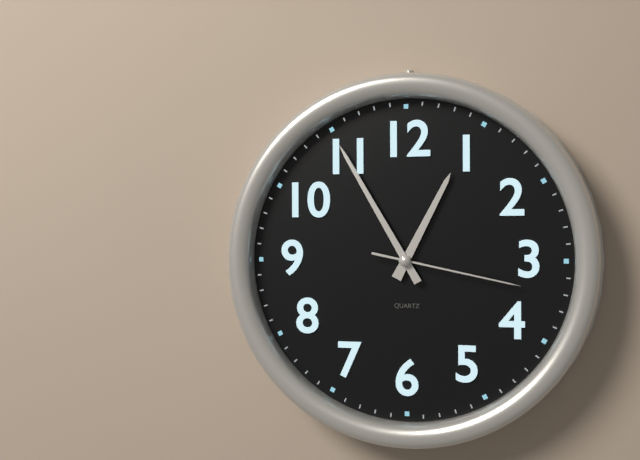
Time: **12:55:17**
